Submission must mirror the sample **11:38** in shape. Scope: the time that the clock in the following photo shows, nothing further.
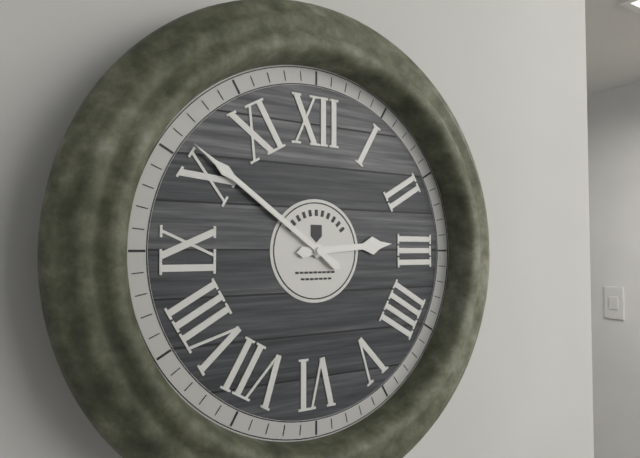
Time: **2:51**
